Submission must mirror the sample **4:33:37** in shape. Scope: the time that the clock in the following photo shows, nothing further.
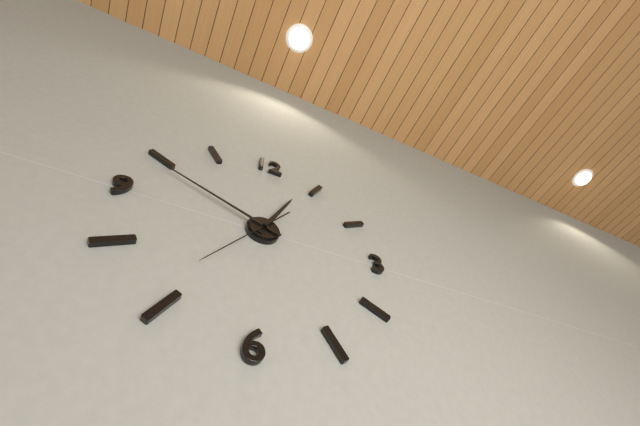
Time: **12:49:36**
